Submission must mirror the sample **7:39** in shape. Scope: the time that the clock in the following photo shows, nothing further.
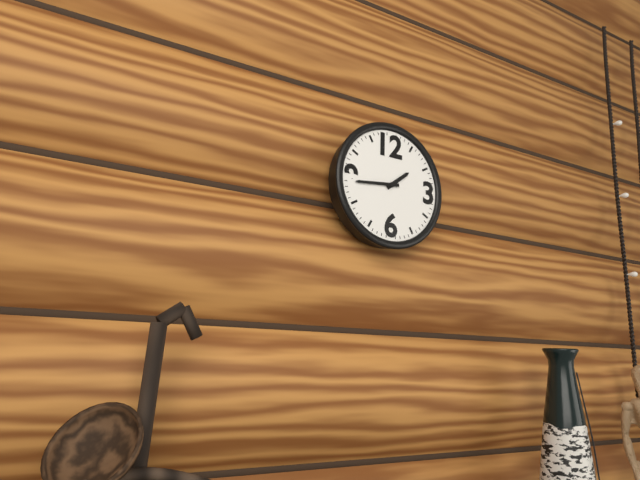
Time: **1:44**
